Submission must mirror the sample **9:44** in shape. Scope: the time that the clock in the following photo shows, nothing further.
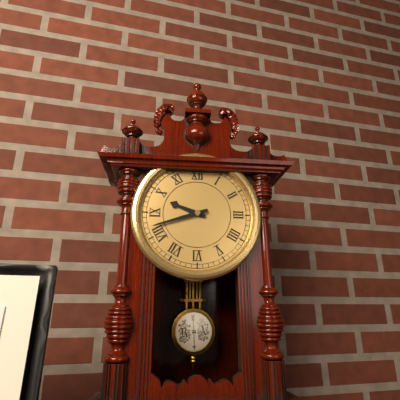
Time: **9:42**
